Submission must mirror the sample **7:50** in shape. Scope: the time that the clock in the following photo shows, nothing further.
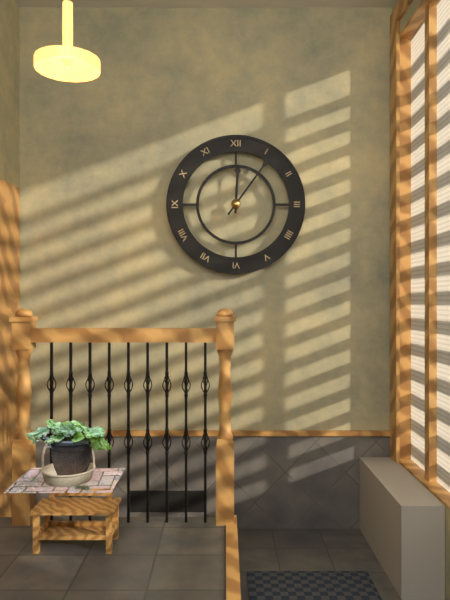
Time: **12:06**
